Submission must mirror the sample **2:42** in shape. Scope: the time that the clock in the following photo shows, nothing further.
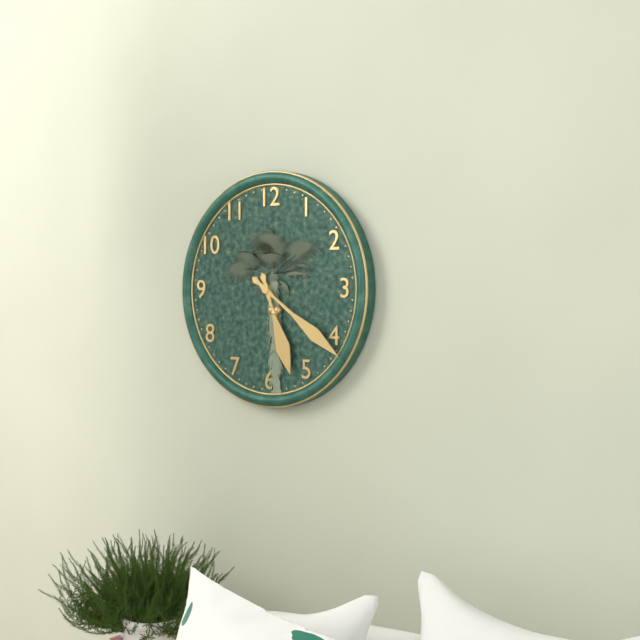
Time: **5:21**
